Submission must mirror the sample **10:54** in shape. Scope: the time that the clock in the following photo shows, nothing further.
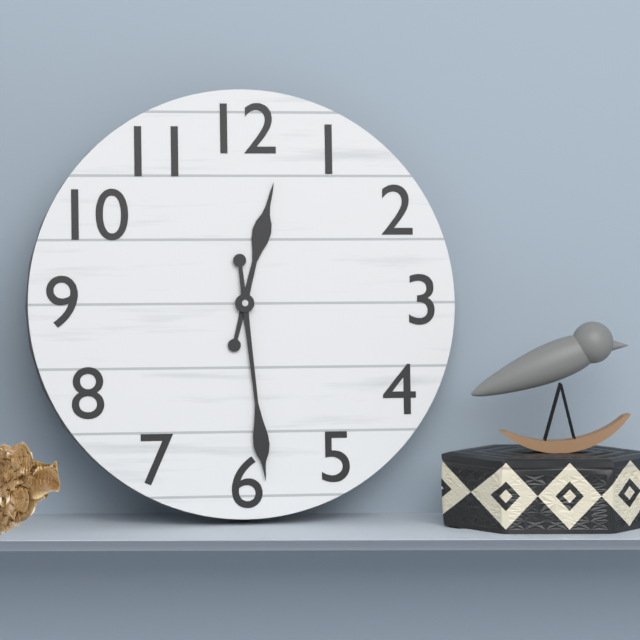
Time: **12:29**
